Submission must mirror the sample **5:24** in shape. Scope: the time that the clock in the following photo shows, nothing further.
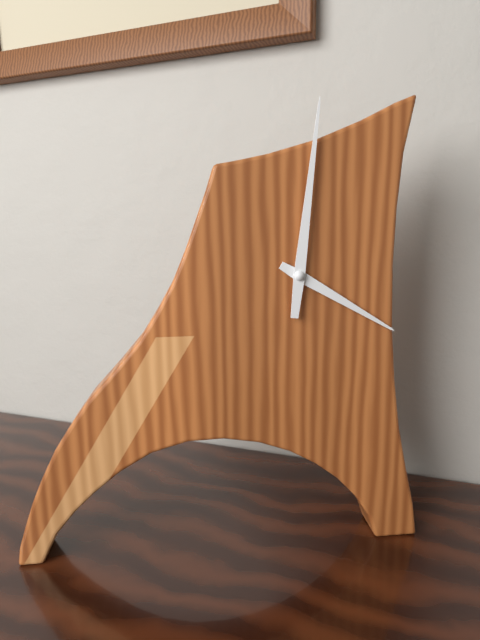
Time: **4:01**
